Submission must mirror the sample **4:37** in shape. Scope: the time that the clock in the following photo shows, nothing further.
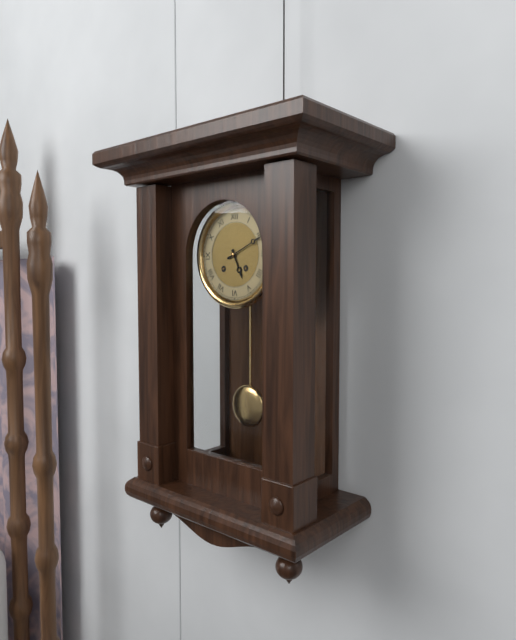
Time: **5:11**
